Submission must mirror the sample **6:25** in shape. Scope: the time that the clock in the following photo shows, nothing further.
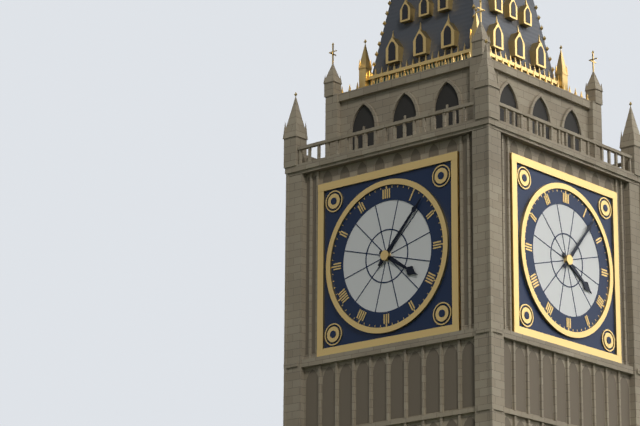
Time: **4:07**
